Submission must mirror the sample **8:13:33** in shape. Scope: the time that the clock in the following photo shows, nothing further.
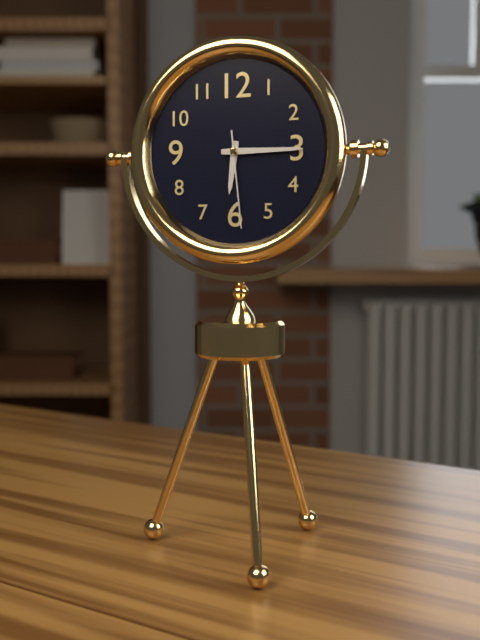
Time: **6:15:29**
